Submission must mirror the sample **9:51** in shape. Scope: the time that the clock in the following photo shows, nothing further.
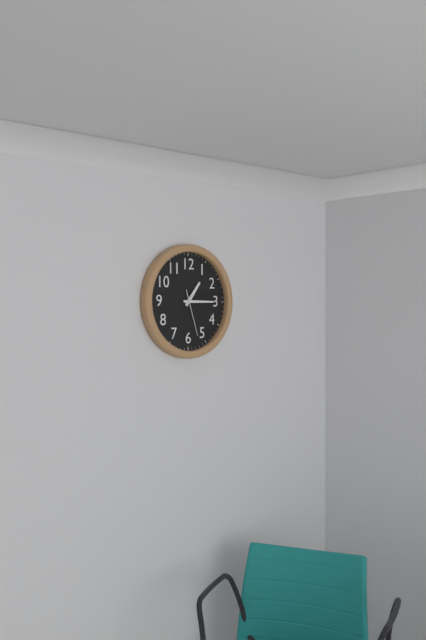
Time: **1:15**
